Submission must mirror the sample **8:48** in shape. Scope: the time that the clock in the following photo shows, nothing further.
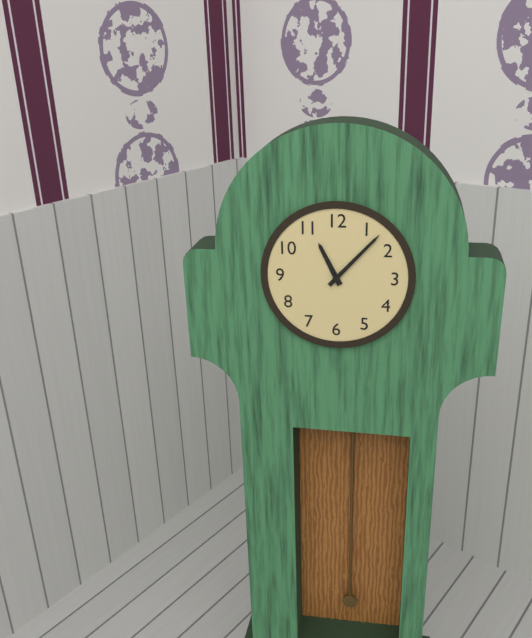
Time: **11:07**
